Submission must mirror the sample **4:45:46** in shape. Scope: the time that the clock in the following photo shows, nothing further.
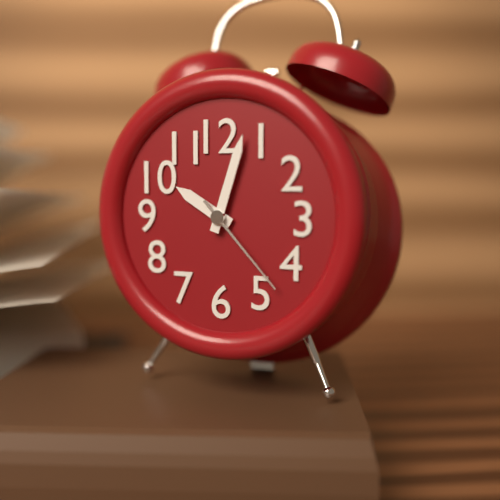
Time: **10:03:23**
